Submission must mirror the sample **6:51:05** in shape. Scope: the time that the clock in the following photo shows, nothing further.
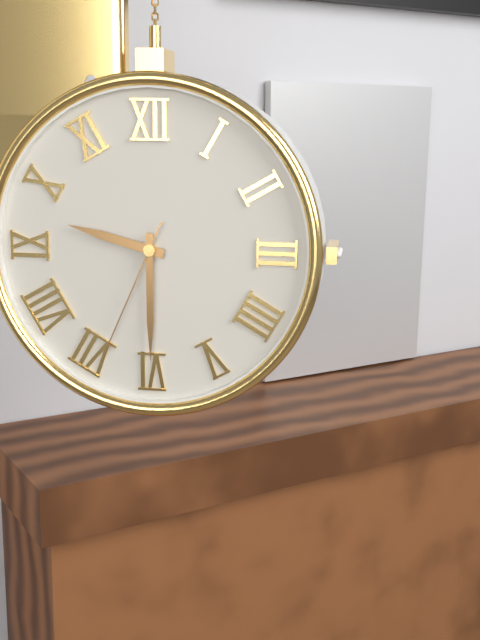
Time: **9:30:34**
